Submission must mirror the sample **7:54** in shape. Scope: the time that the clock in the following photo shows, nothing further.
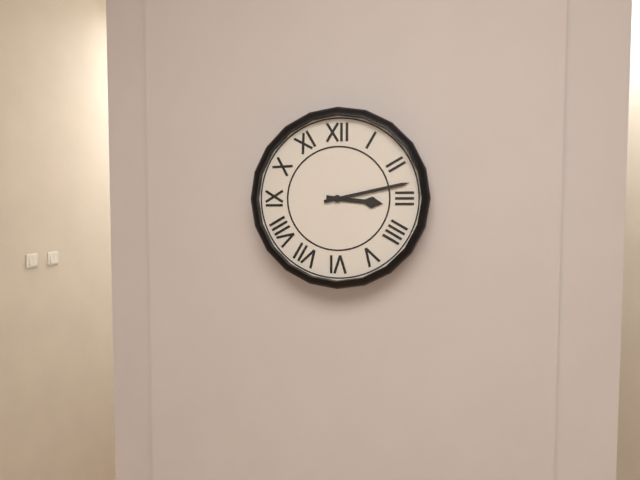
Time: **3:13**
